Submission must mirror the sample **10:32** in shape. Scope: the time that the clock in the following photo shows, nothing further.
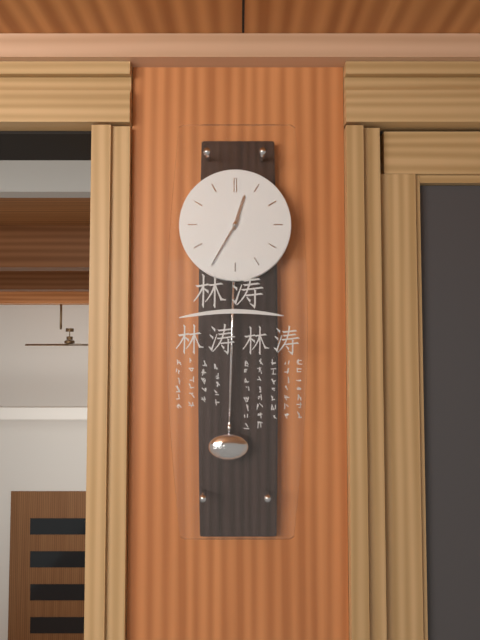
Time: **12:35**
